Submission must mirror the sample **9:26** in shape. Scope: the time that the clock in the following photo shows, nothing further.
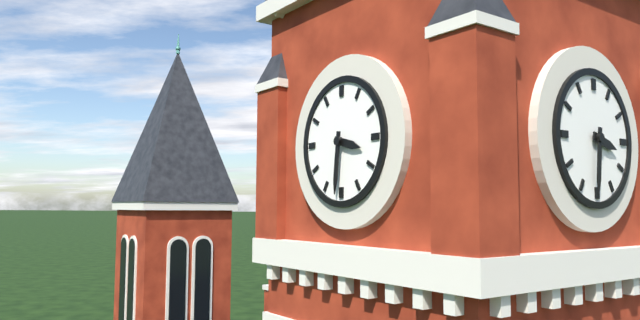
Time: **3:31**
